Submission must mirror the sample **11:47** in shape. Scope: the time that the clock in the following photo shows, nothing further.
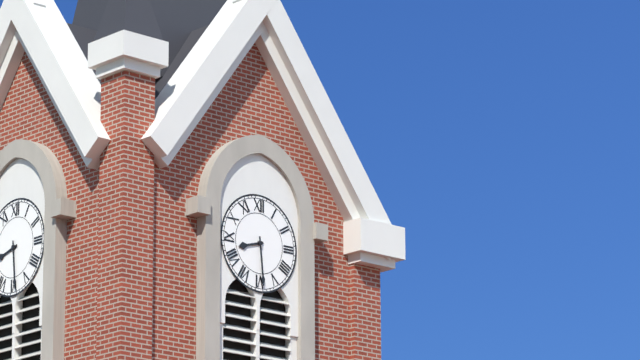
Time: **8:29**
